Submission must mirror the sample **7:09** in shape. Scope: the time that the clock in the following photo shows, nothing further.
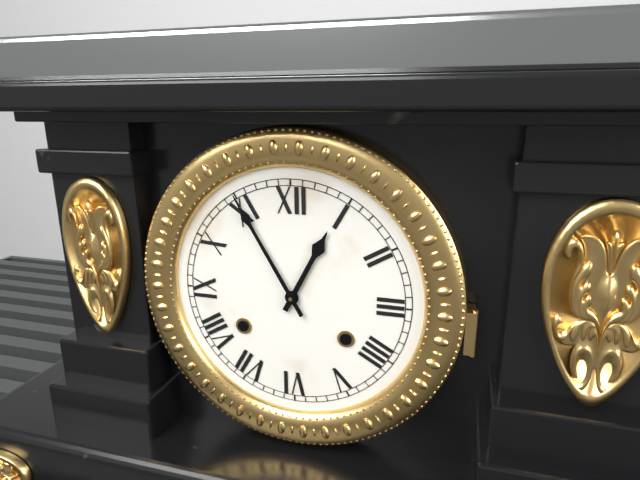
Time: **12:55**
